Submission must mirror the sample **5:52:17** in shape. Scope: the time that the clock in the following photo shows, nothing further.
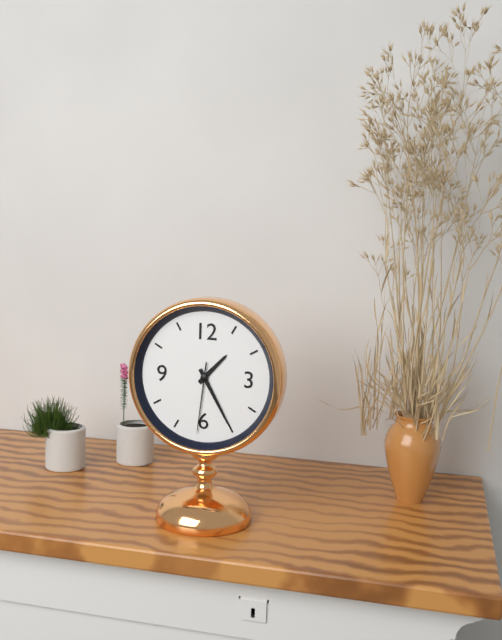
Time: **1:25:31**
